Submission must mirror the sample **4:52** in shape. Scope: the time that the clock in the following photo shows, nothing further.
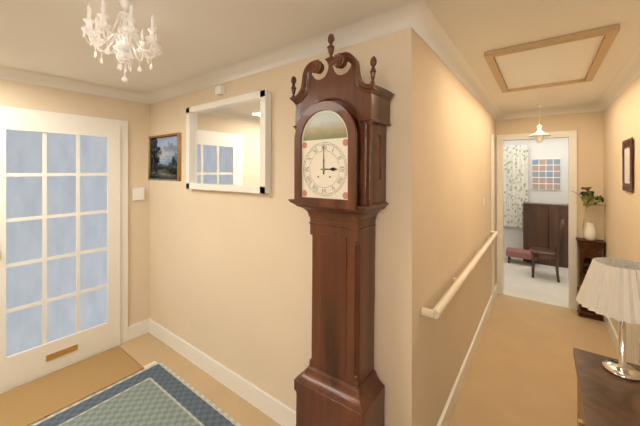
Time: **3:00**
